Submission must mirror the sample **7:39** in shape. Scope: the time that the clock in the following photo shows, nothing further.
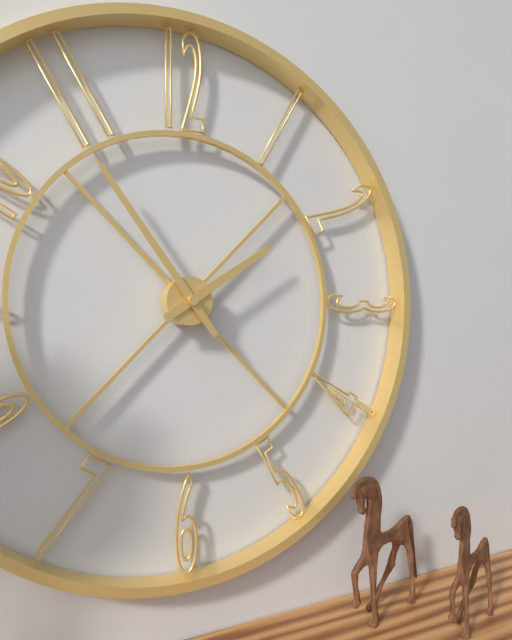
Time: **1:54**
